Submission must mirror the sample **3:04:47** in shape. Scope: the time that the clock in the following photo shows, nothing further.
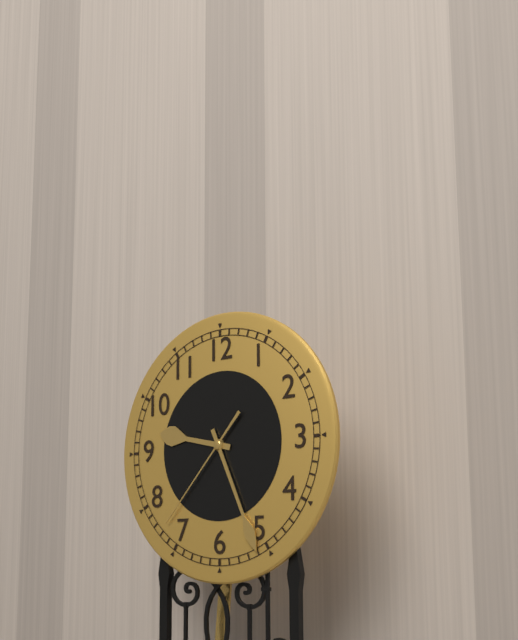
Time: **9:26:37**
